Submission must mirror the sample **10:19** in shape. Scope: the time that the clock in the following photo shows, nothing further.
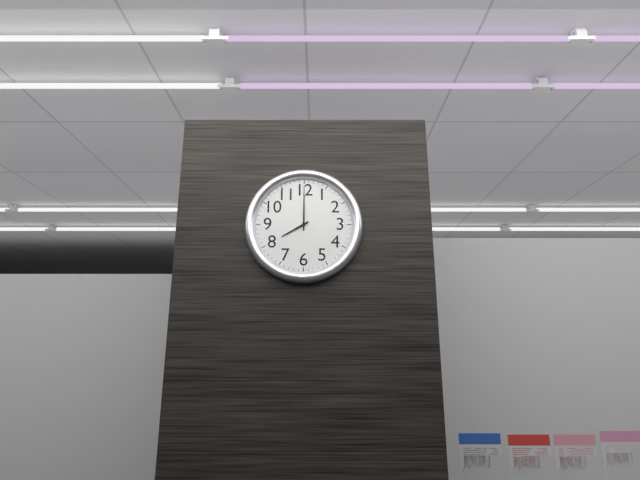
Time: **8:00**
